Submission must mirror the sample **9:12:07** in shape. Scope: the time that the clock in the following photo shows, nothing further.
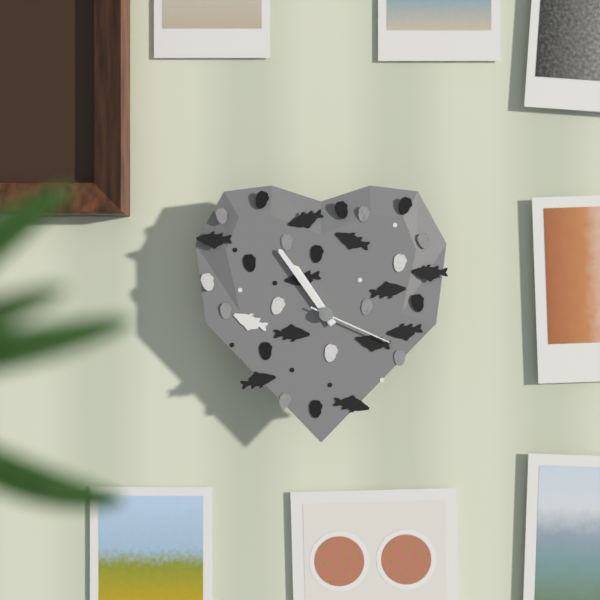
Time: **10:54:19**
